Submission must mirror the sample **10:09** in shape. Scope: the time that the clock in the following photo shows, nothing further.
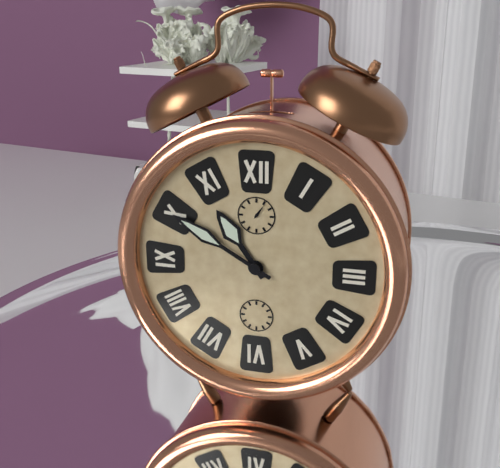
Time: **10:50**
